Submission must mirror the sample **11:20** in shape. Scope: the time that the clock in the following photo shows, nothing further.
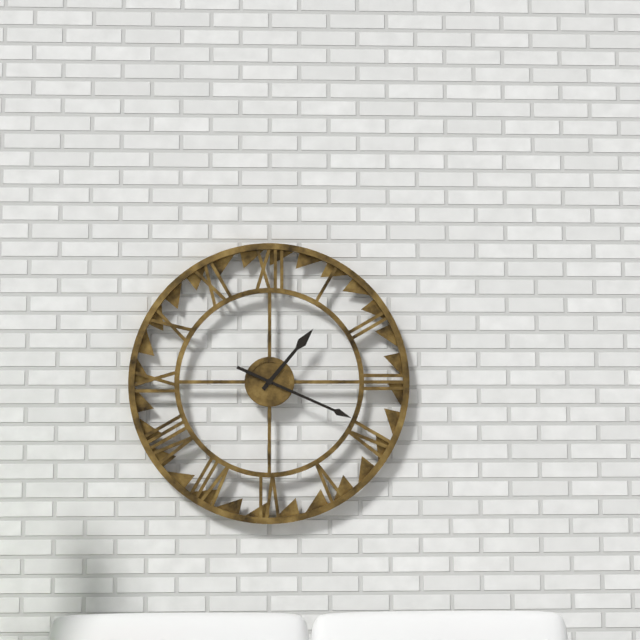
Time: **1:19**
